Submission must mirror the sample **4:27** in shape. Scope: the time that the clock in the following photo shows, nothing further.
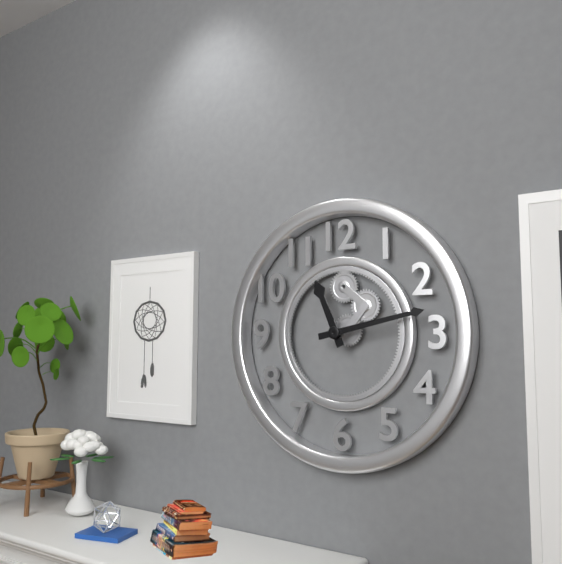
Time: **11:13**
